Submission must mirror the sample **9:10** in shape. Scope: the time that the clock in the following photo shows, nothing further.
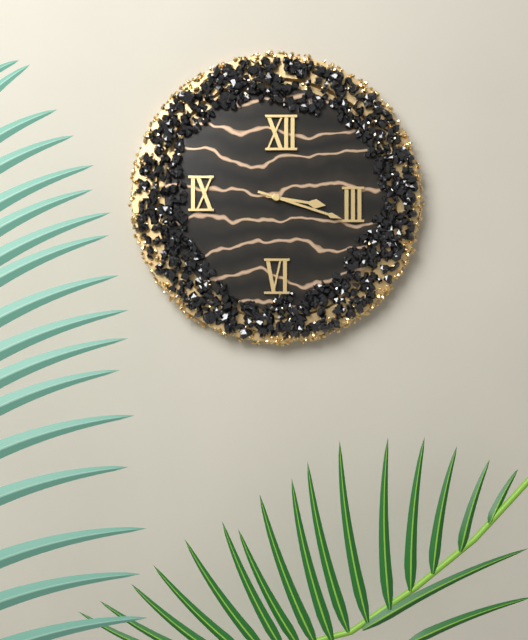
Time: **3:18**
